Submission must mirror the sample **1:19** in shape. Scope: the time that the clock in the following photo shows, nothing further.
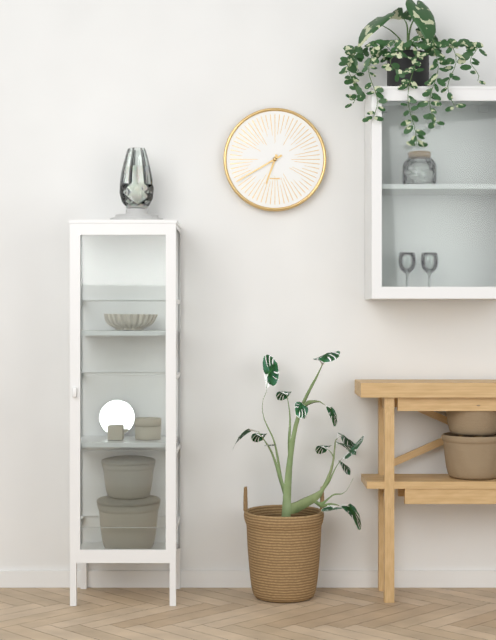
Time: **6:40**
